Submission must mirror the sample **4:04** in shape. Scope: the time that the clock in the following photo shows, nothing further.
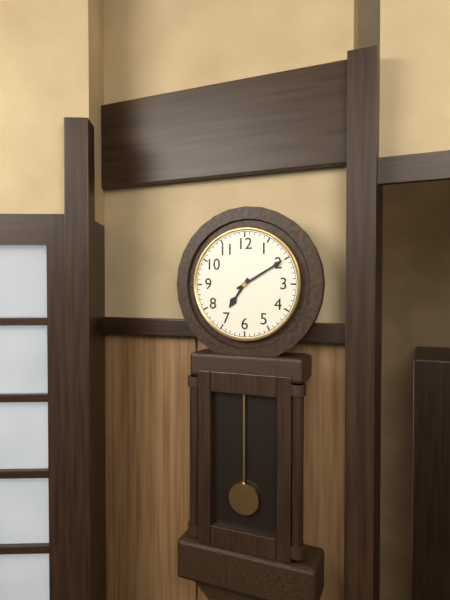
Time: **7:10**
